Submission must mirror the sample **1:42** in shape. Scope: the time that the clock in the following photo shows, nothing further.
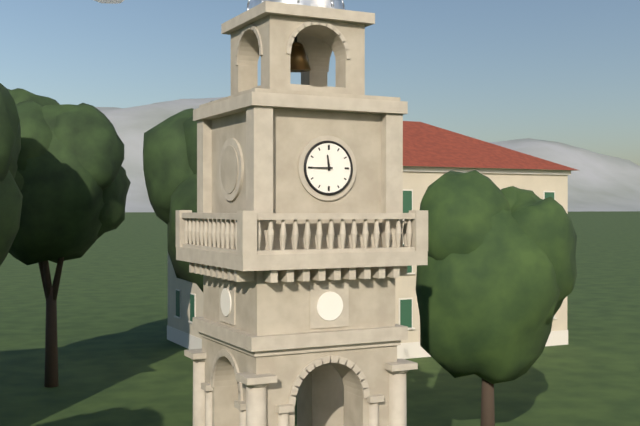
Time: **11:45**
